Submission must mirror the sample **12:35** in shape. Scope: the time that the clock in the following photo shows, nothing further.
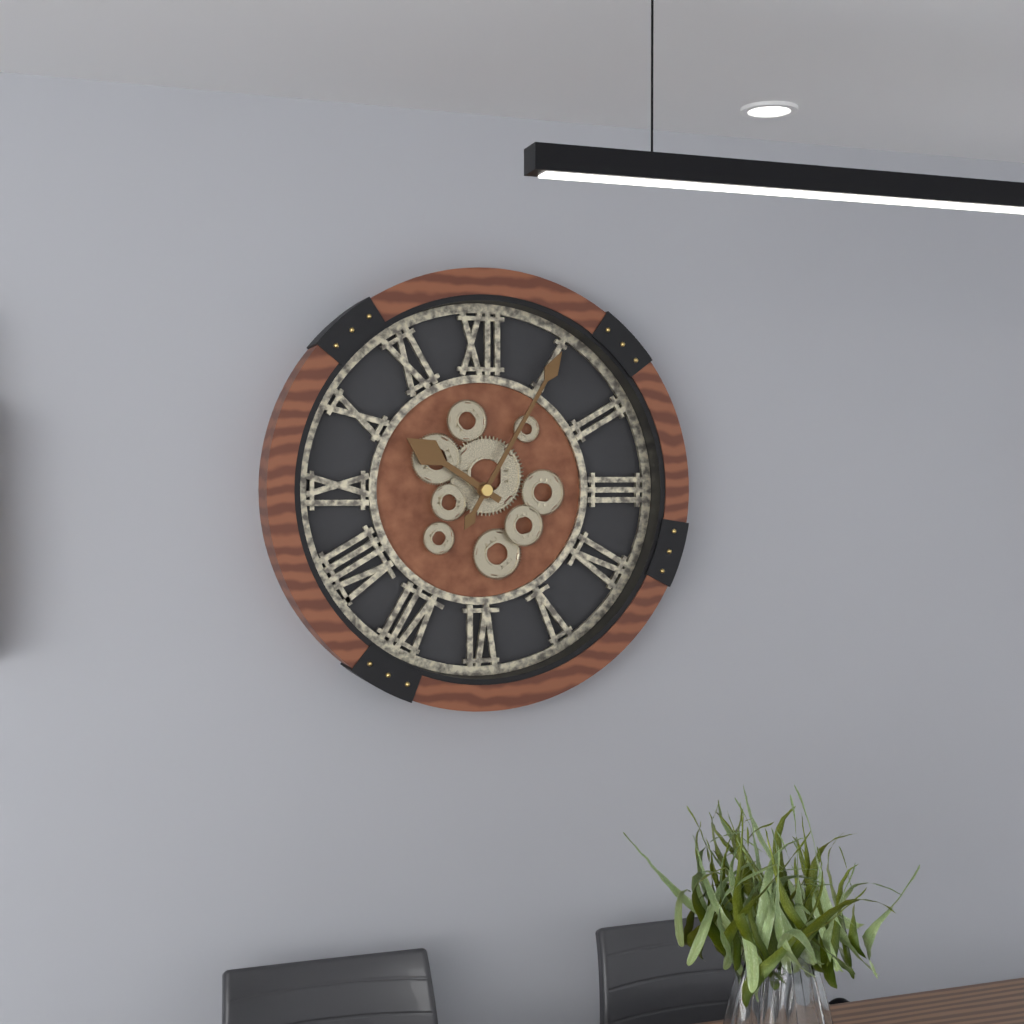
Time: **10:05**
